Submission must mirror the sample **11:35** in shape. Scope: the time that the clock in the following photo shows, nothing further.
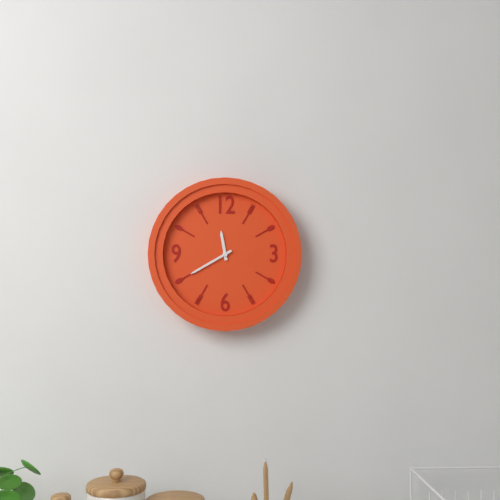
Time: **11:40**
